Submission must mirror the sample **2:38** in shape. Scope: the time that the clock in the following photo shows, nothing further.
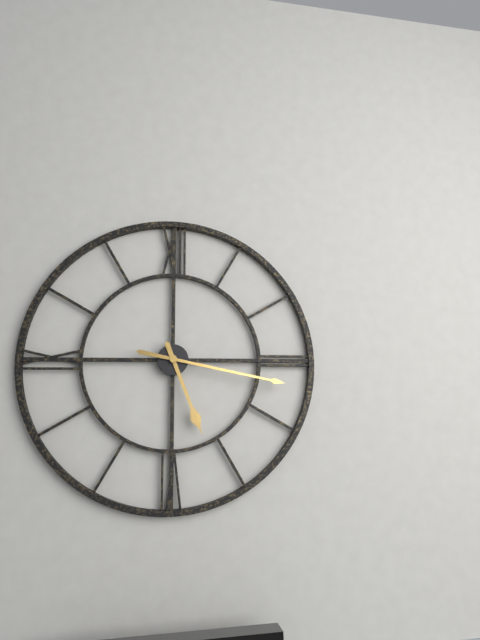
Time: **5:17**
